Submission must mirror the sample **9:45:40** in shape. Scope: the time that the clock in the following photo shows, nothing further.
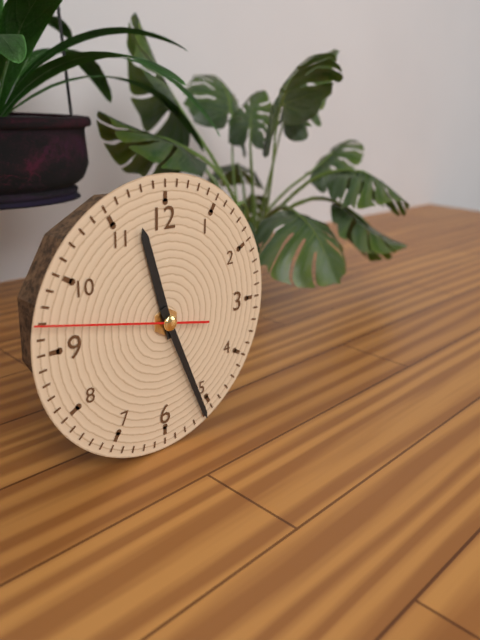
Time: **11:26:47**
